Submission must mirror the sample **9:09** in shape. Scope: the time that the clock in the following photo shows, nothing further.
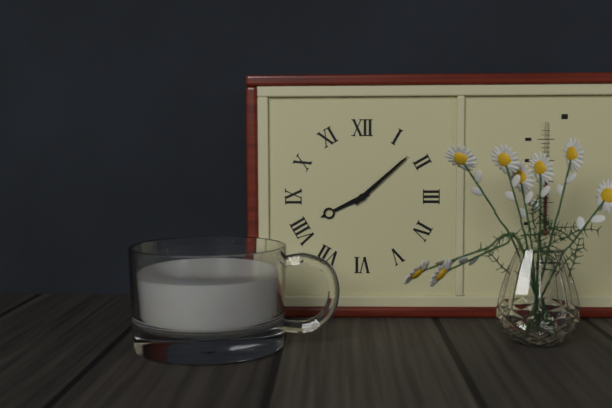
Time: **8:08**
